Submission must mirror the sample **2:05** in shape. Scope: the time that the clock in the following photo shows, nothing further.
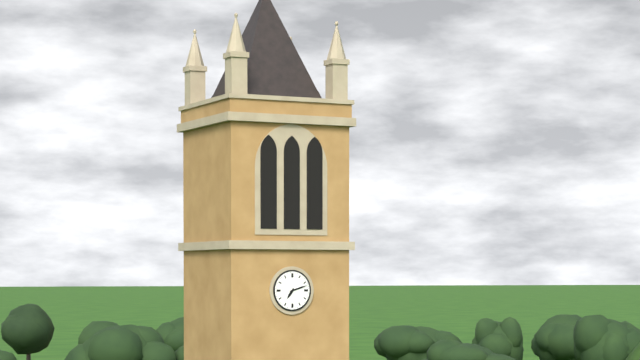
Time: **7:12**
